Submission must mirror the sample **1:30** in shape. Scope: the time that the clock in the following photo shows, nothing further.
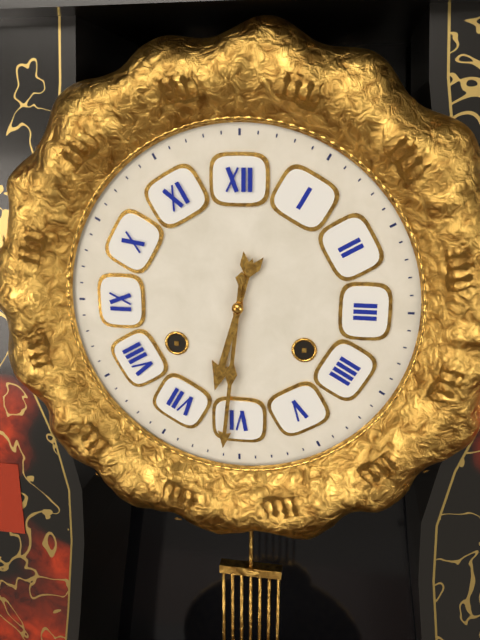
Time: **6:31**
